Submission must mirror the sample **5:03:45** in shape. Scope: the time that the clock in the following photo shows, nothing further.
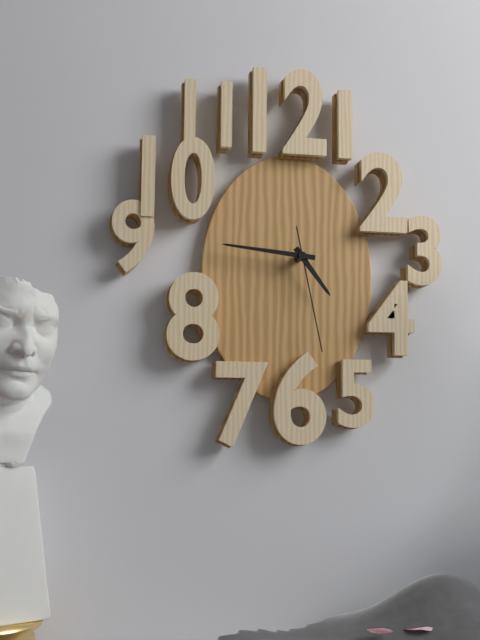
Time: **4:46:28**
